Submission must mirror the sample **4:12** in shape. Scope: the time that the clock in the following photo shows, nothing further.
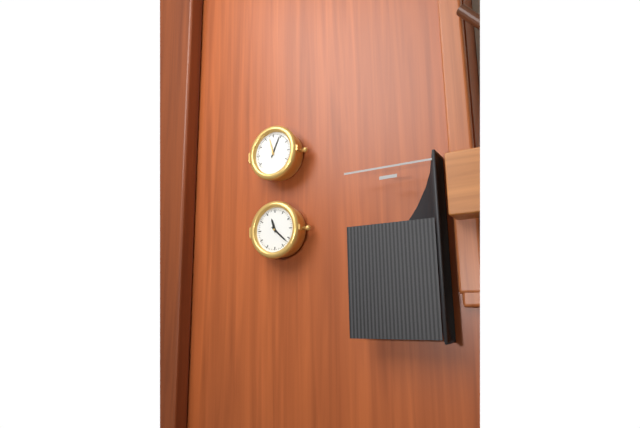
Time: **11:22**
